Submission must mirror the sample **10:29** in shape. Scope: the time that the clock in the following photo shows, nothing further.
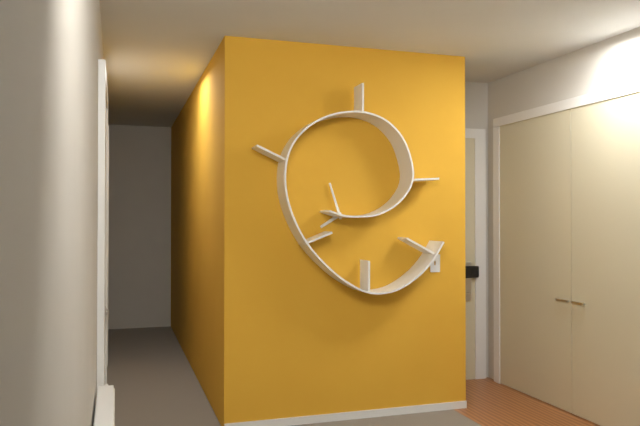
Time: **7:57**
